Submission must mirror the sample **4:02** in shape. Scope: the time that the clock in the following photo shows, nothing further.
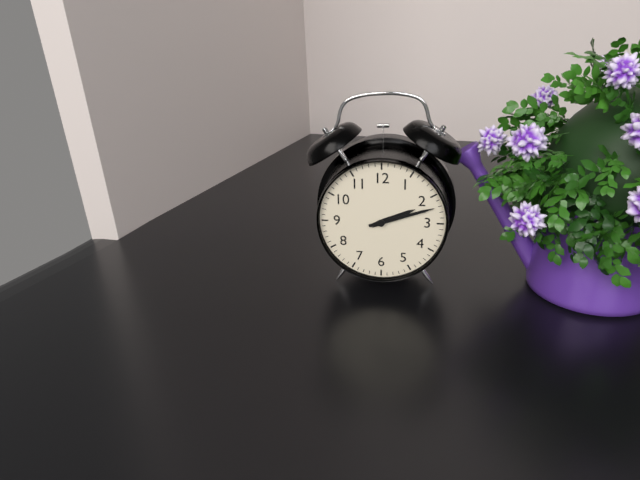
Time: **2:12**
